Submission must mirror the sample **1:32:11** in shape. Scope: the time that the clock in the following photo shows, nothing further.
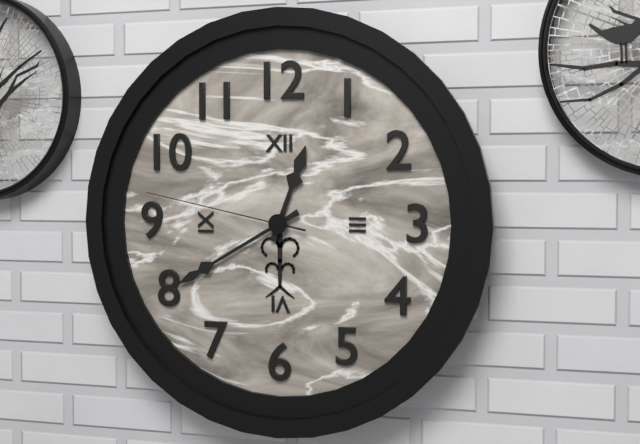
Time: **12:40:47**
